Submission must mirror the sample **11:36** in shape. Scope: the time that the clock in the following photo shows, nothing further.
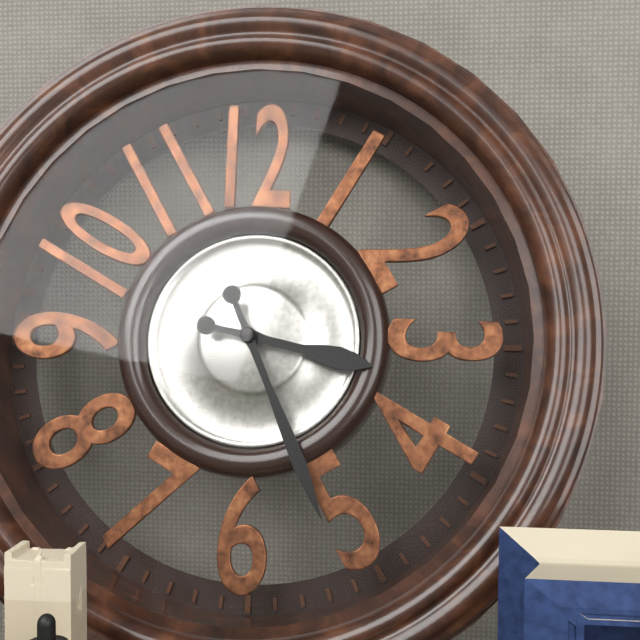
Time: **3:26**
